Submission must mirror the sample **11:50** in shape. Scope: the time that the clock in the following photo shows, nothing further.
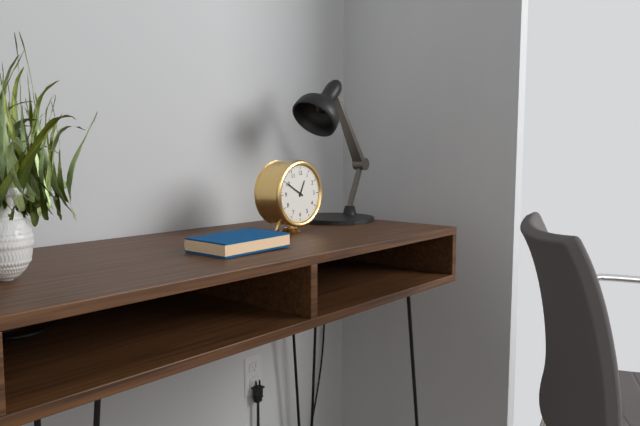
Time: **12:50**
